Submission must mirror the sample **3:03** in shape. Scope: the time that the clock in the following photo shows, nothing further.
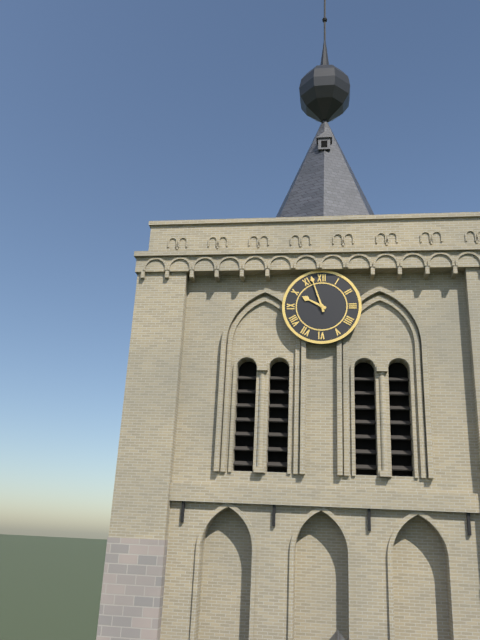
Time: **9:57**
